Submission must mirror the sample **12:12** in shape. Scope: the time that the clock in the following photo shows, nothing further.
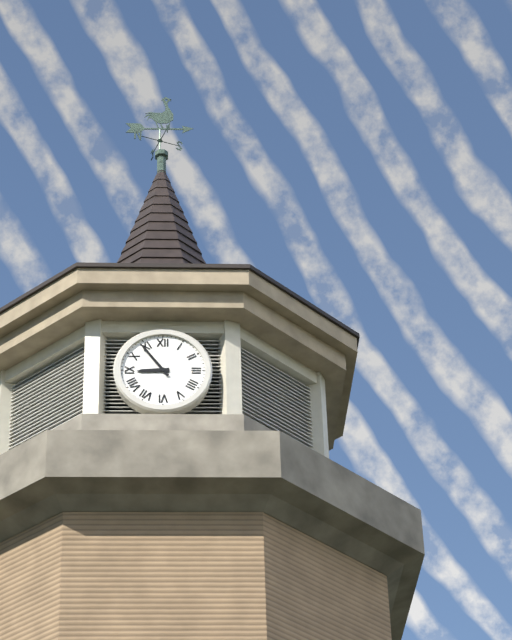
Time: **8:54**
